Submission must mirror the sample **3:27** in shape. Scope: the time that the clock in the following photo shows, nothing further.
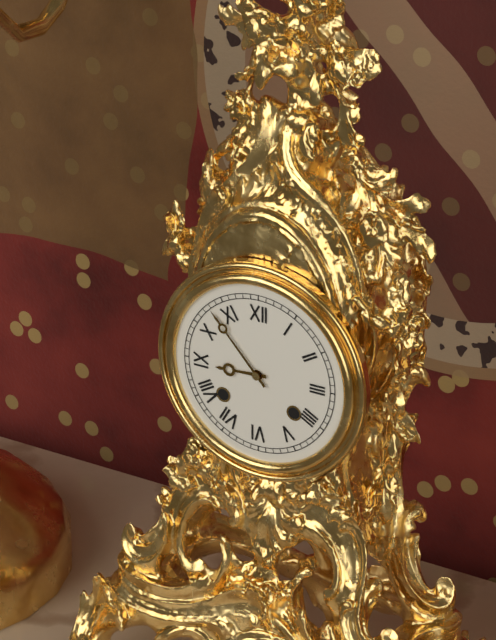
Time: **8:53**
